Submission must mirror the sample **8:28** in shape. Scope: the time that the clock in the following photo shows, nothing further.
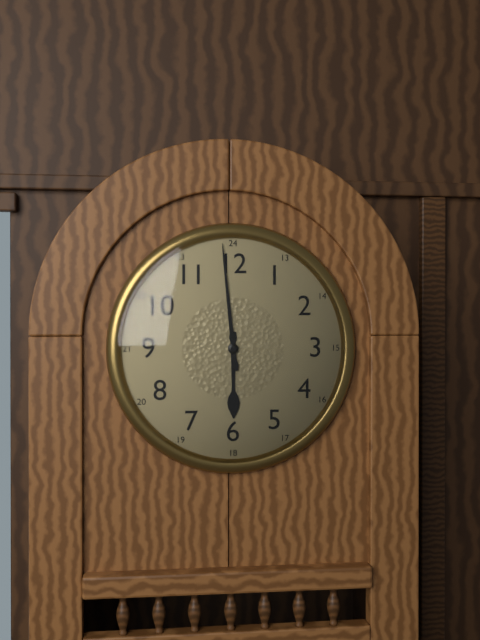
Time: **5:59**
